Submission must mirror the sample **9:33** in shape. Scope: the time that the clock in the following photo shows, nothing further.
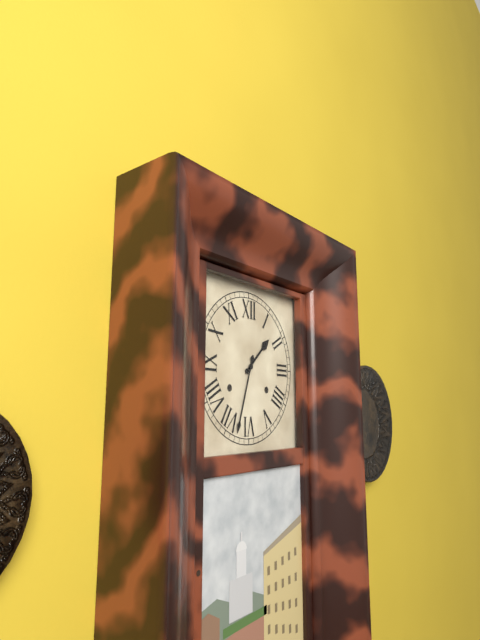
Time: **1:33**
